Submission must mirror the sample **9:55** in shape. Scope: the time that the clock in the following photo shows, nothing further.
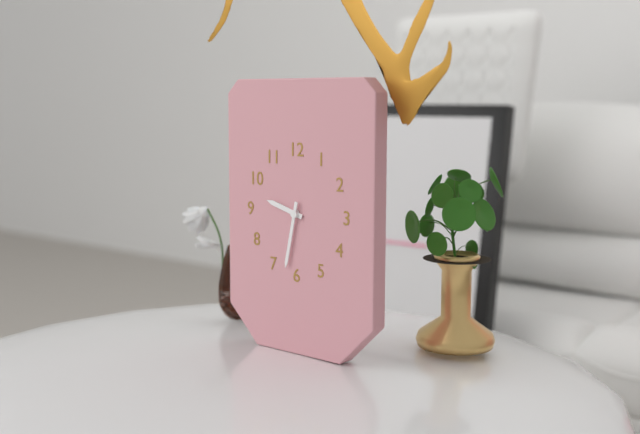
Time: **9:32**
